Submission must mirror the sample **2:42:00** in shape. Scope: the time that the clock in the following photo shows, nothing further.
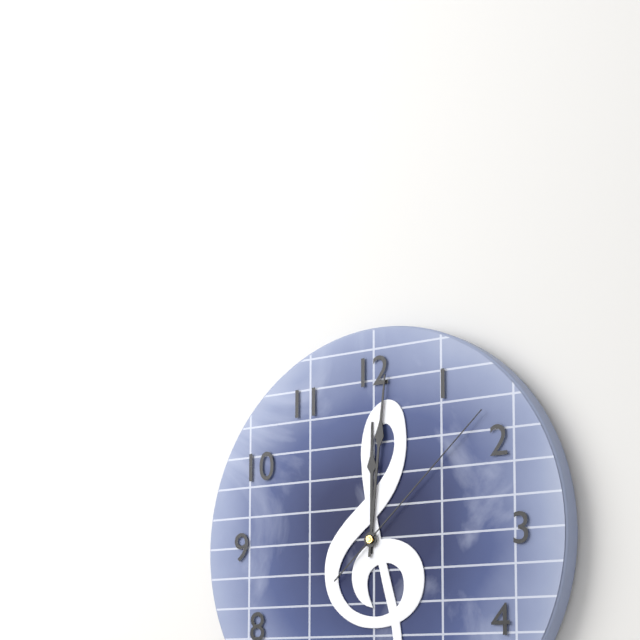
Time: **12:01:08**
